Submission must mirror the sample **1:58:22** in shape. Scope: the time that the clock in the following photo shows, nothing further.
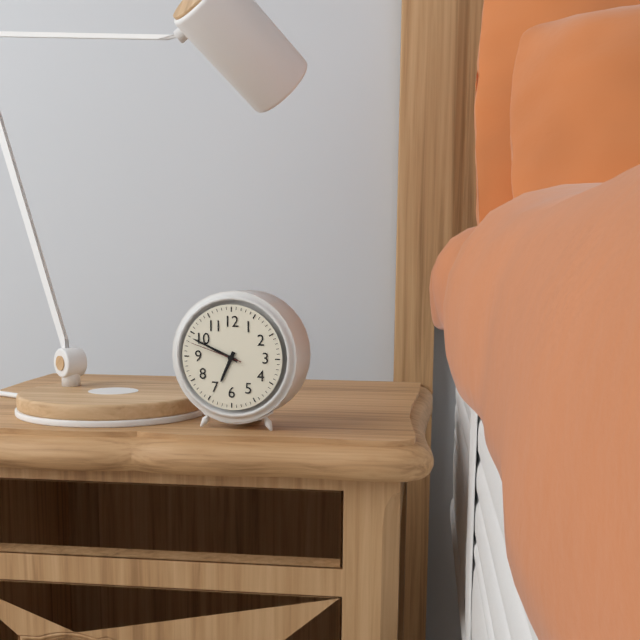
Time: **6:49:48**
